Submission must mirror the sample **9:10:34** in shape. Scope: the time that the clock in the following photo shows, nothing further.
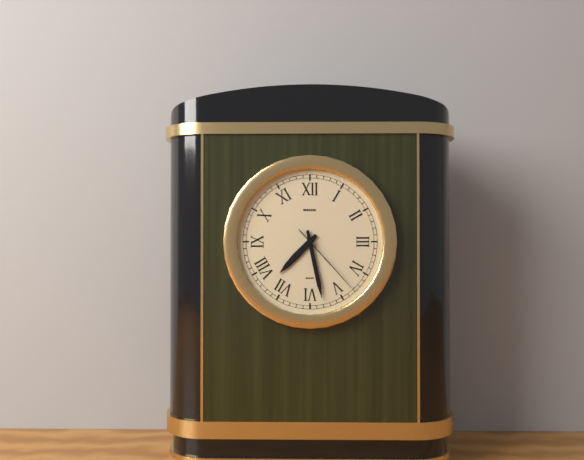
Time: **7:28:23**
